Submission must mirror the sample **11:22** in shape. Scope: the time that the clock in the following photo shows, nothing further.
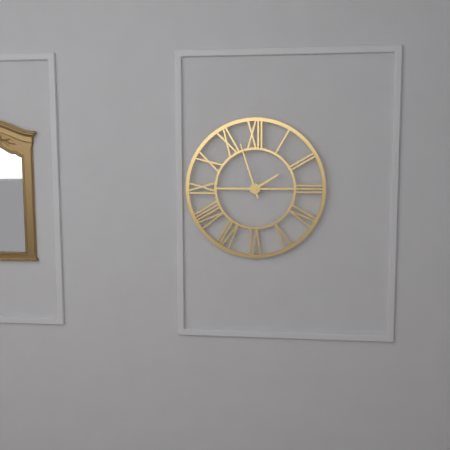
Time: **1:57**
